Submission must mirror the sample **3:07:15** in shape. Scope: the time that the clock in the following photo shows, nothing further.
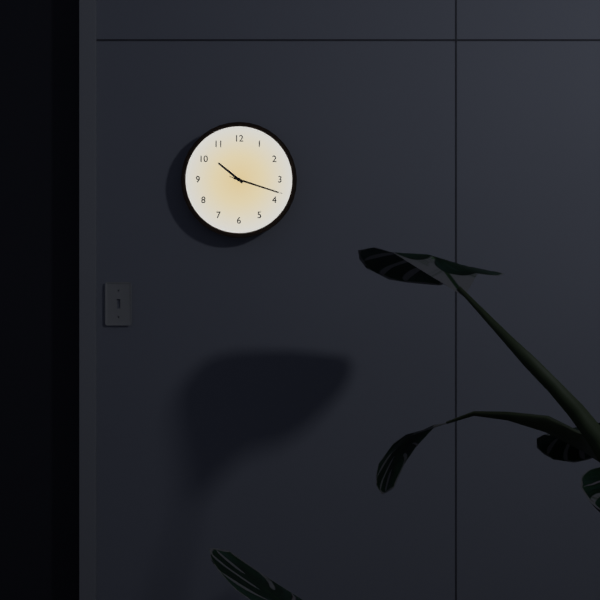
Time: **10:18:18**
